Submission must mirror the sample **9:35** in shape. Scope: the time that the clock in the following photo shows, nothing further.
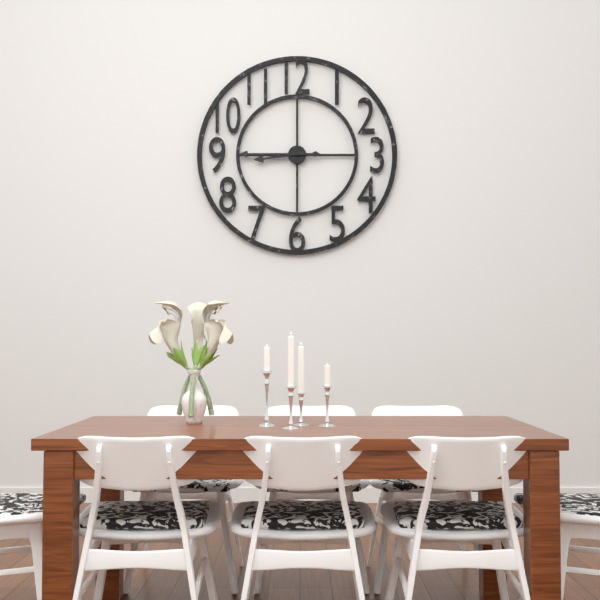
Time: **8:45**
